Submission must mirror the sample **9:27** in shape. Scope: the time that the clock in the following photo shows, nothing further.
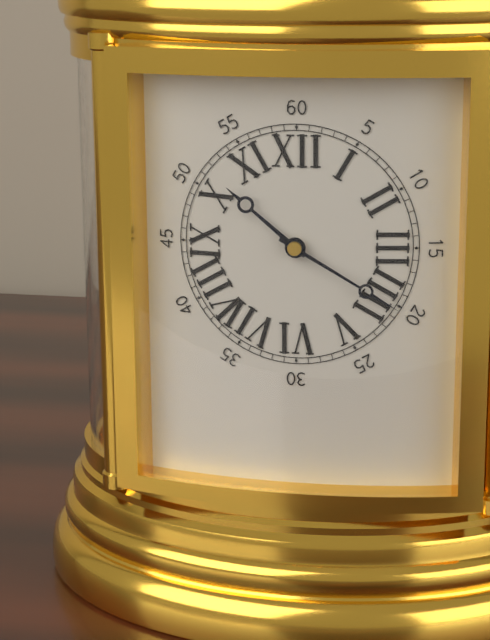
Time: **10:20**
